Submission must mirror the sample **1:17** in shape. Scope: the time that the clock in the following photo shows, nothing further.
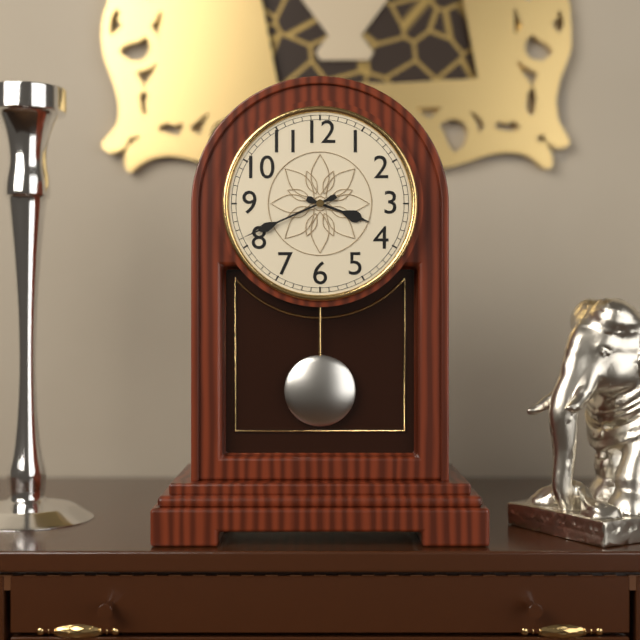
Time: **3:41**
